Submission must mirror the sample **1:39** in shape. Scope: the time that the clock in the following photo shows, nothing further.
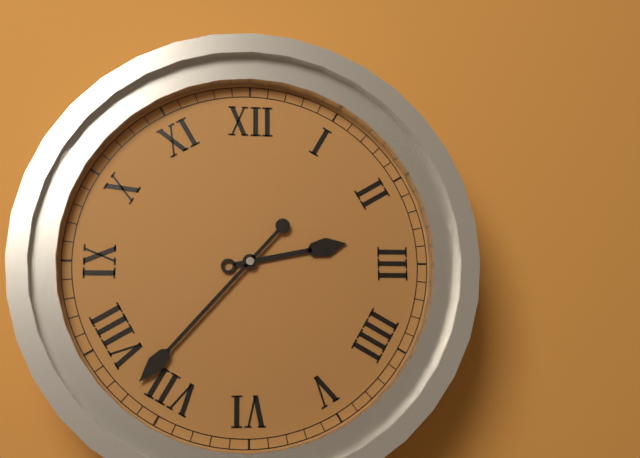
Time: **2:37**
